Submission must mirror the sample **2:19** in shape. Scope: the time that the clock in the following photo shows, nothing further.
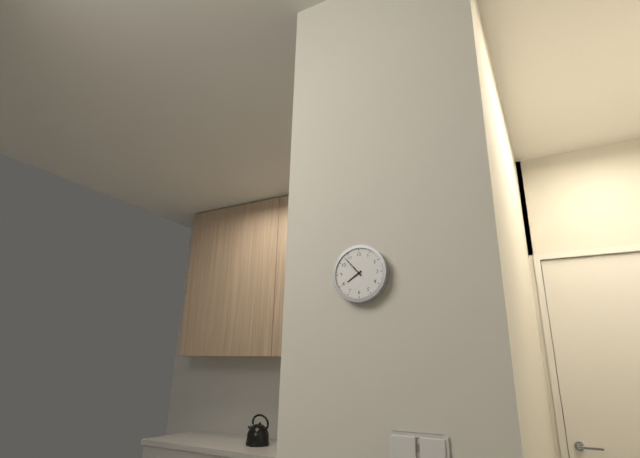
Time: **7:53**
